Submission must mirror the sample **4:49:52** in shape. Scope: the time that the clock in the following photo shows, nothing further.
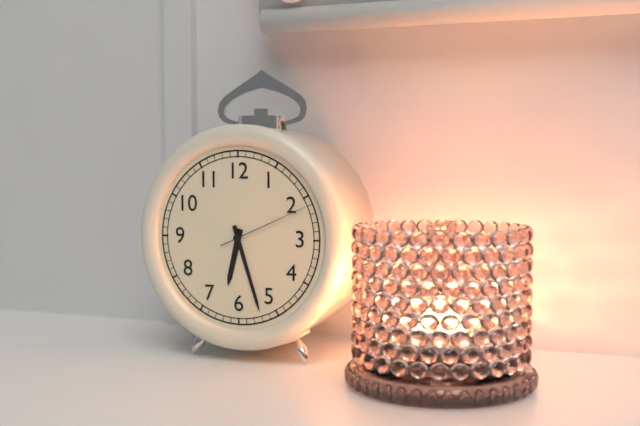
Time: **6:27:11**
